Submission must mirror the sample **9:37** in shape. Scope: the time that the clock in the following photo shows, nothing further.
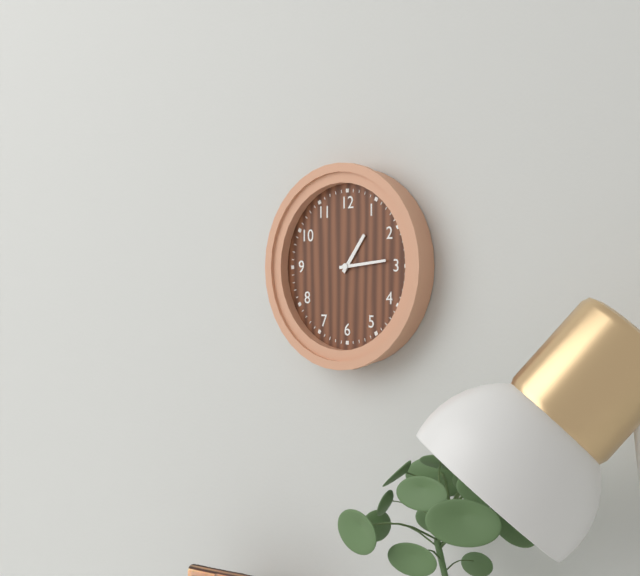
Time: **1:14**
